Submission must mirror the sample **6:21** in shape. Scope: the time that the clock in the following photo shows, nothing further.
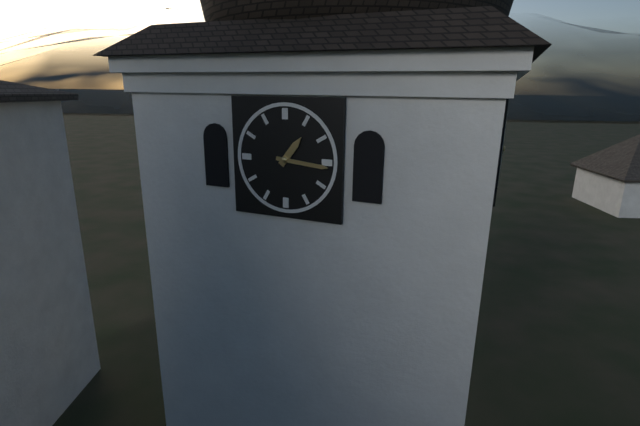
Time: **1:16**
